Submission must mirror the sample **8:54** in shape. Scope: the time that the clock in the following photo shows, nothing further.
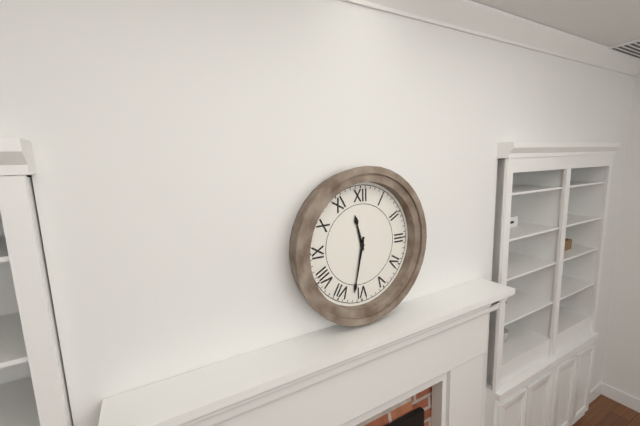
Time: **11:32**
